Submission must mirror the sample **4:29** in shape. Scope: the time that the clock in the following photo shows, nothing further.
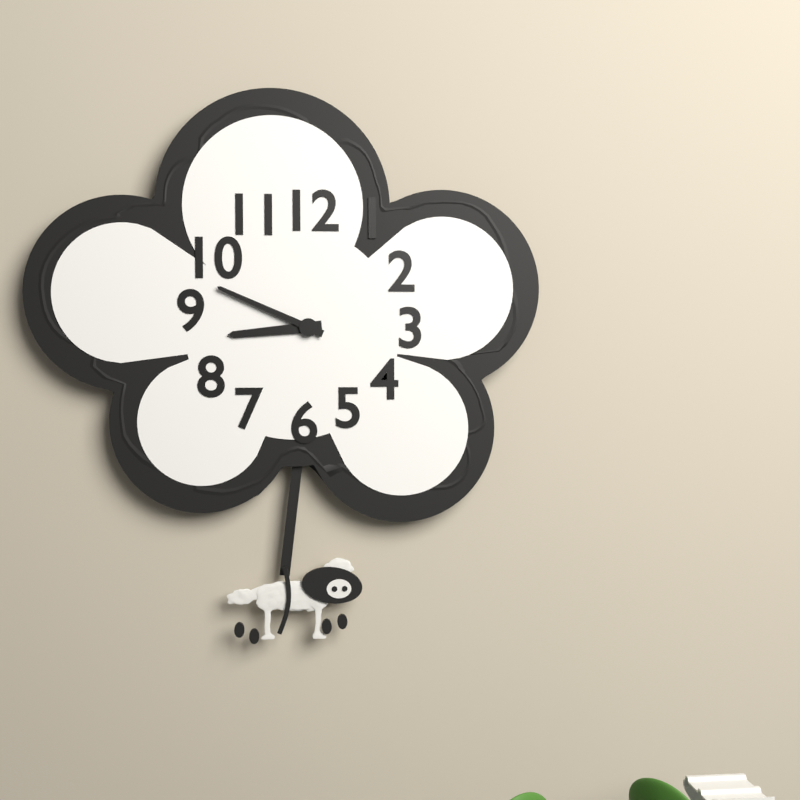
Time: **8:49**
